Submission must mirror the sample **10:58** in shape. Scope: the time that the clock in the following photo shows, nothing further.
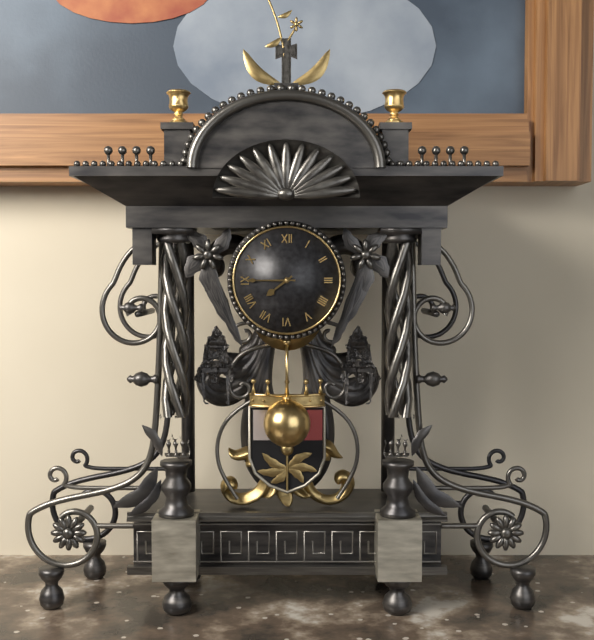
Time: **7:45**
